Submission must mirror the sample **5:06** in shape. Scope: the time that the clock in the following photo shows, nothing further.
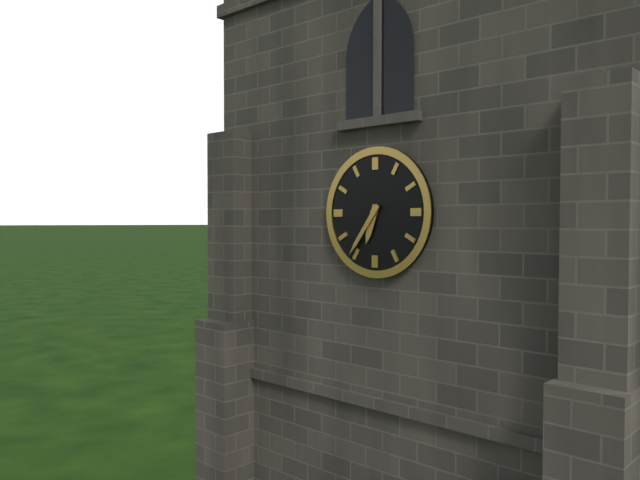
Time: **6:36**
